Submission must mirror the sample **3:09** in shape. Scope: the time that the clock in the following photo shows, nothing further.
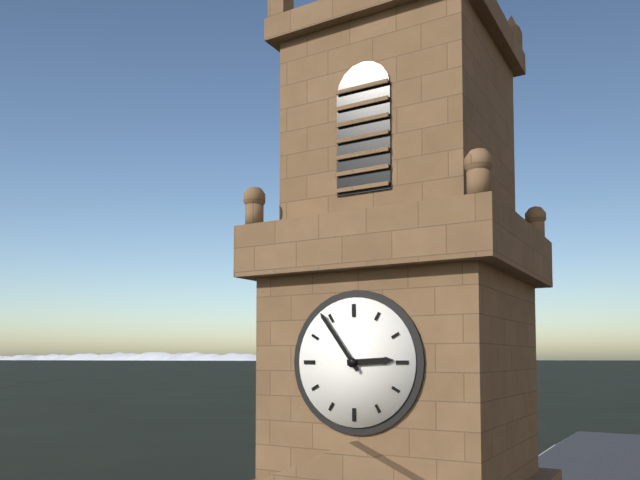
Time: **2:54**
